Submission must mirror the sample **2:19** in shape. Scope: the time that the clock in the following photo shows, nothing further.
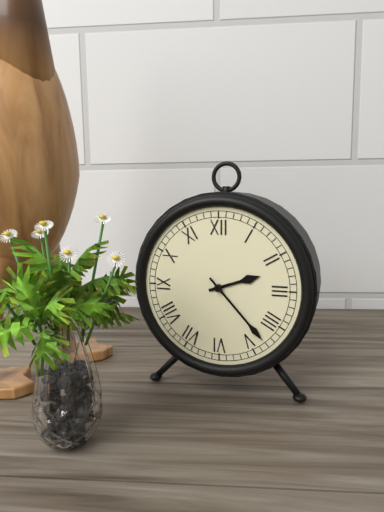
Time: **2:23**
